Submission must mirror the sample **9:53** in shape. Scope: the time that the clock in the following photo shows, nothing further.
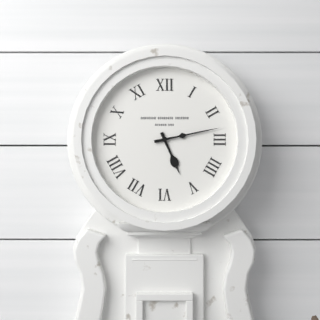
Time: **5:13**
